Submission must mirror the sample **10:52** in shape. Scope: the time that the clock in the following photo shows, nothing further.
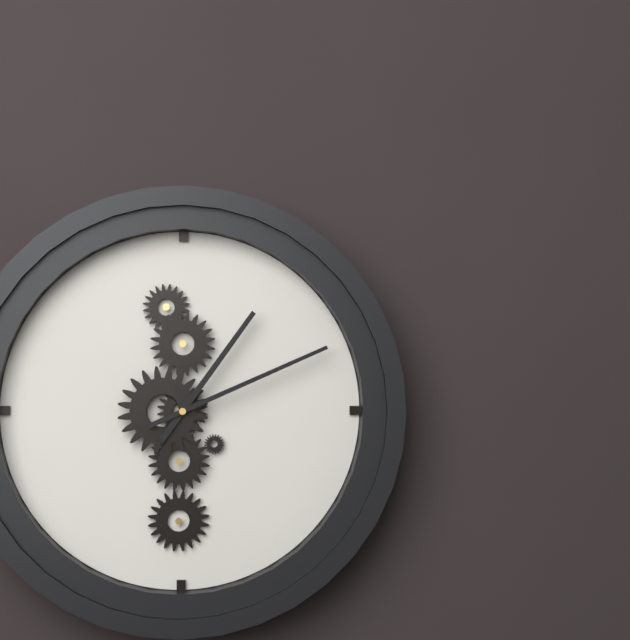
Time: **1:11**
